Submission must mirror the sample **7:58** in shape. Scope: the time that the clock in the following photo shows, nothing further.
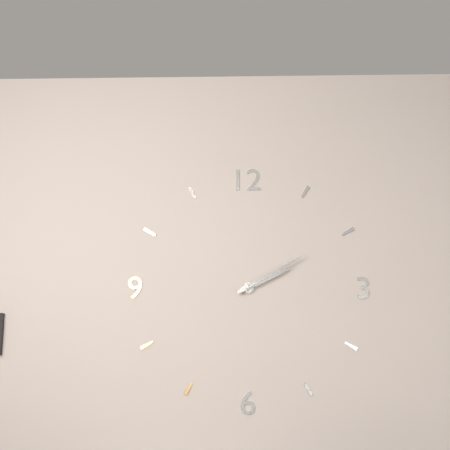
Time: **2:10**
